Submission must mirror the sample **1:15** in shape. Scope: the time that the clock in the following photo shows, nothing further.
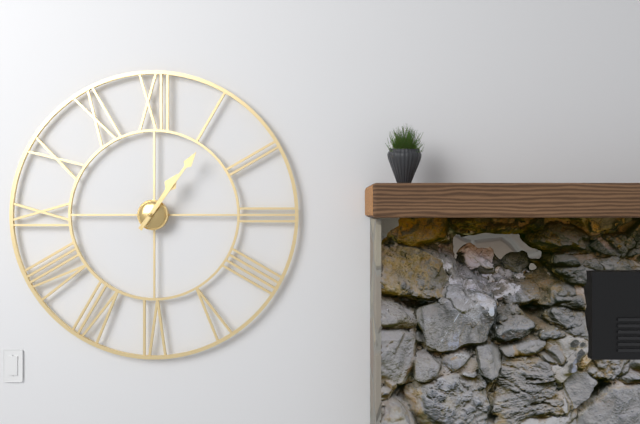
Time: **1:06**
